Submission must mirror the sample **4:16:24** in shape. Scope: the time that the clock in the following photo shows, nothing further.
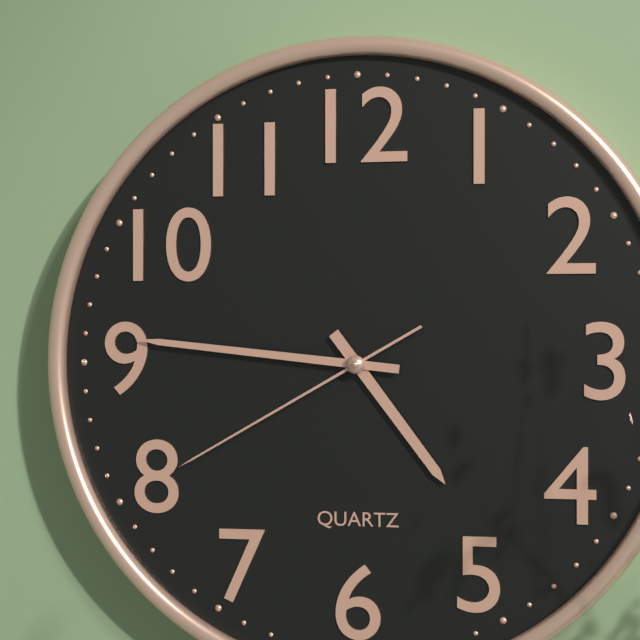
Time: **4:46:40**
